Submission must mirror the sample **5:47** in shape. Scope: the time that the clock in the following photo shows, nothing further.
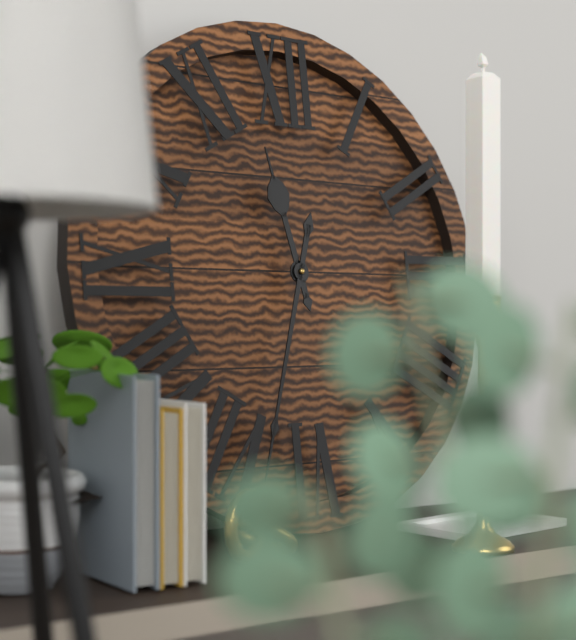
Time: **11:33**
